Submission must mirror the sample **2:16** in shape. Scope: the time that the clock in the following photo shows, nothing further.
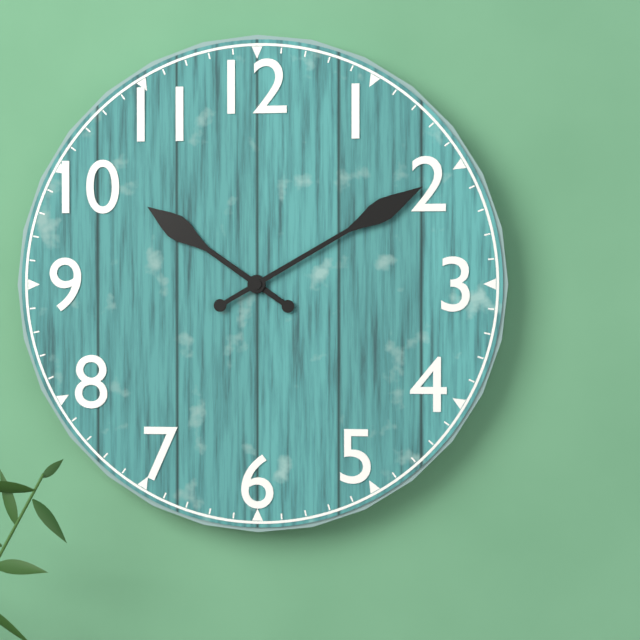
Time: **10:10**
